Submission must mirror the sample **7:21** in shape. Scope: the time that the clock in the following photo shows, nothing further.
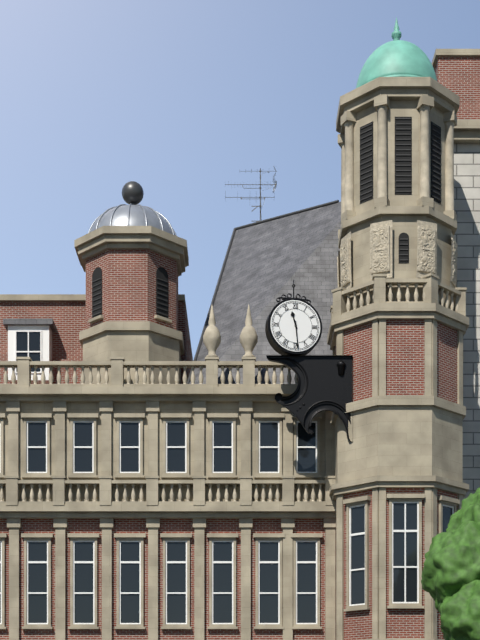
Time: **11:29**
